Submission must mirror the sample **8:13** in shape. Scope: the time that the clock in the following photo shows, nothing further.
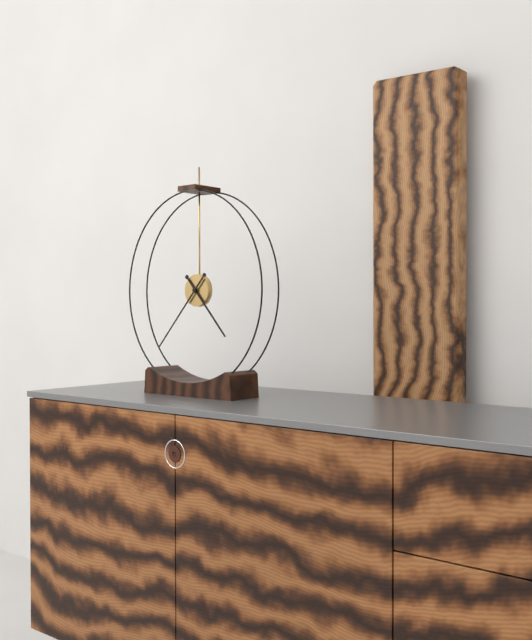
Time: **4:37**
